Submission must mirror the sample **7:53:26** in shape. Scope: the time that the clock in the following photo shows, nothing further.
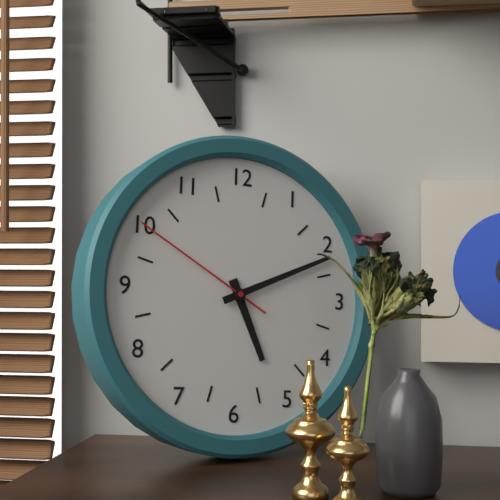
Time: **5:11:50**
